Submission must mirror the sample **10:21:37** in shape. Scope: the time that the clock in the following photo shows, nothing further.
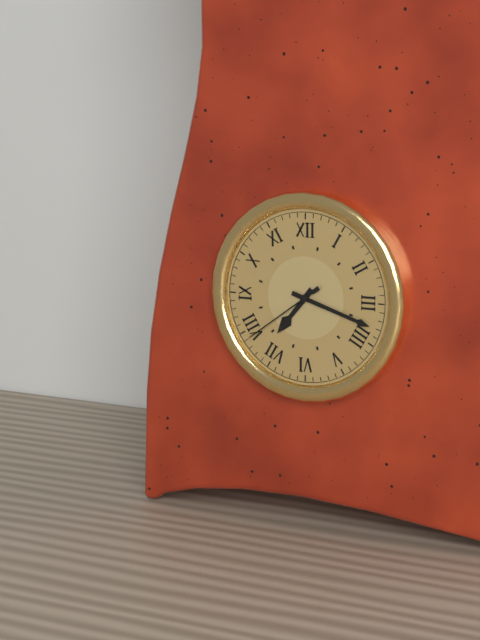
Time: **7:18:39**
